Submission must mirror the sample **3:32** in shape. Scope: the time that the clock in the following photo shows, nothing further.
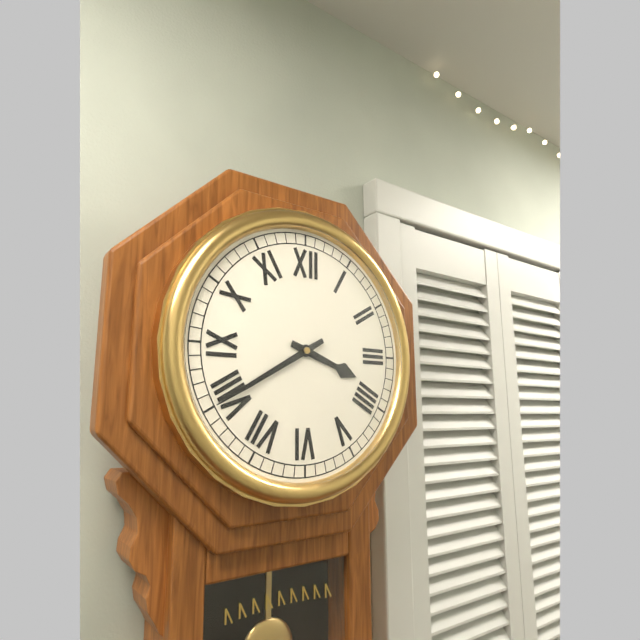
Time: **3:40**
